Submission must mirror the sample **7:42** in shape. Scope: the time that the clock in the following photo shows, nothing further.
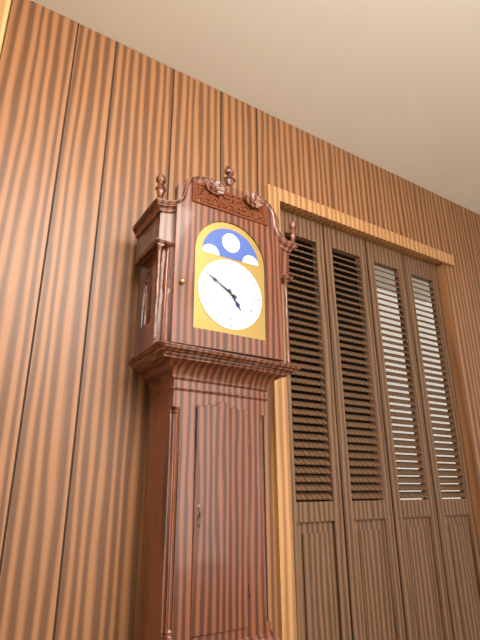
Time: **4:50**
